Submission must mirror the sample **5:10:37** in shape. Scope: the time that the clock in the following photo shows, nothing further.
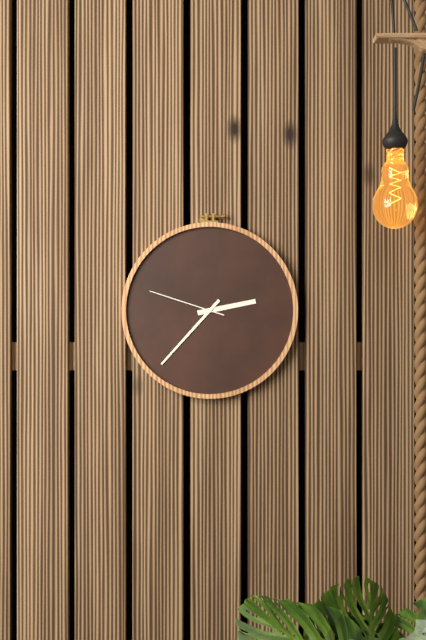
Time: **2:37:48**
